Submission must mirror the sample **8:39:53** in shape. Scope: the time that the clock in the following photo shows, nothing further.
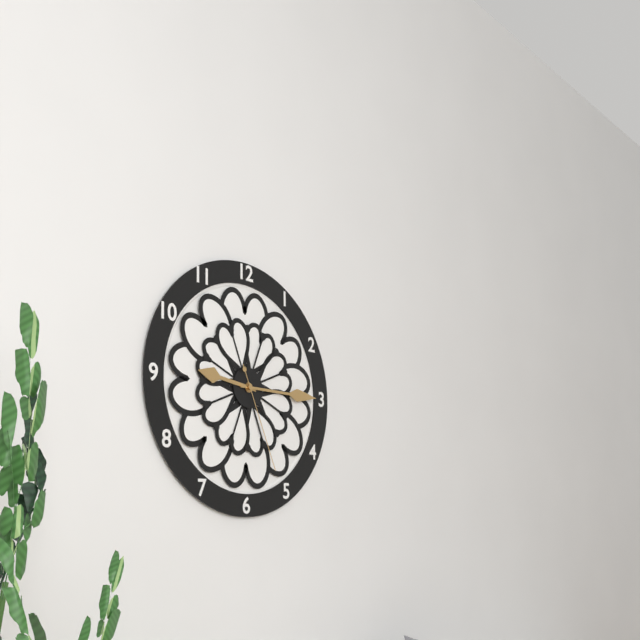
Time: **9:15:26**
